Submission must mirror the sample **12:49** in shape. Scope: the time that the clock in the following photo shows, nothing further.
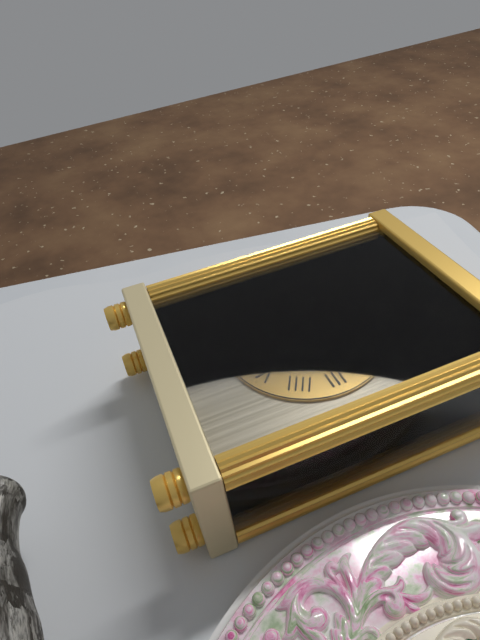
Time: **10:36**
